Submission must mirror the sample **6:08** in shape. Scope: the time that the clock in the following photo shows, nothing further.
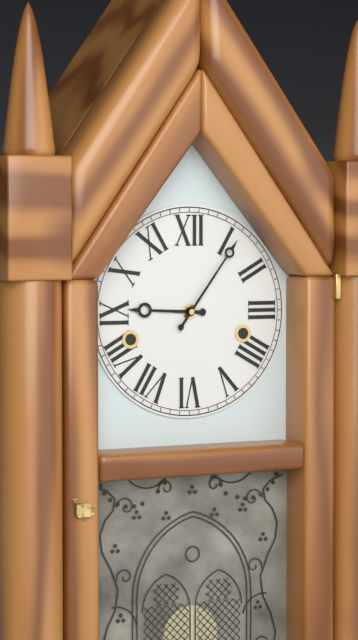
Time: **9:06**
